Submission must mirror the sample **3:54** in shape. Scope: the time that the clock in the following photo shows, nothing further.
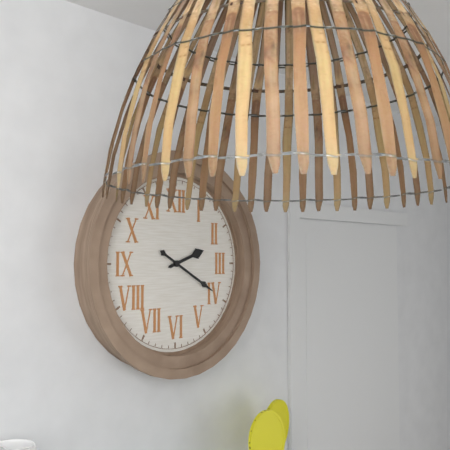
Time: **2:20**
